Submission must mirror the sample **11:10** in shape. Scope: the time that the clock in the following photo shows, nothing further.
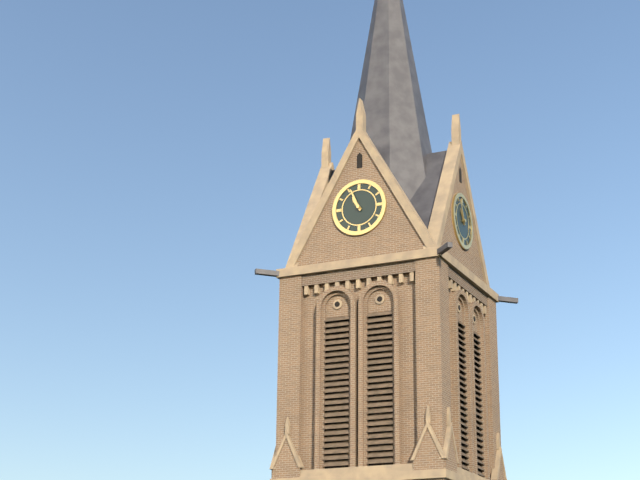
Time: **10:56**
